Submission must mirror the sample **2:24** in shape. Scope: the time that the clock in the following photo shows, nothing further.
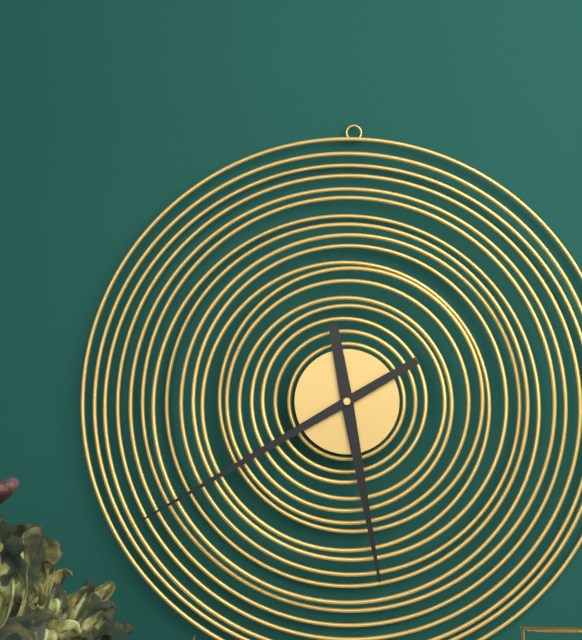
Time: **5:40**
